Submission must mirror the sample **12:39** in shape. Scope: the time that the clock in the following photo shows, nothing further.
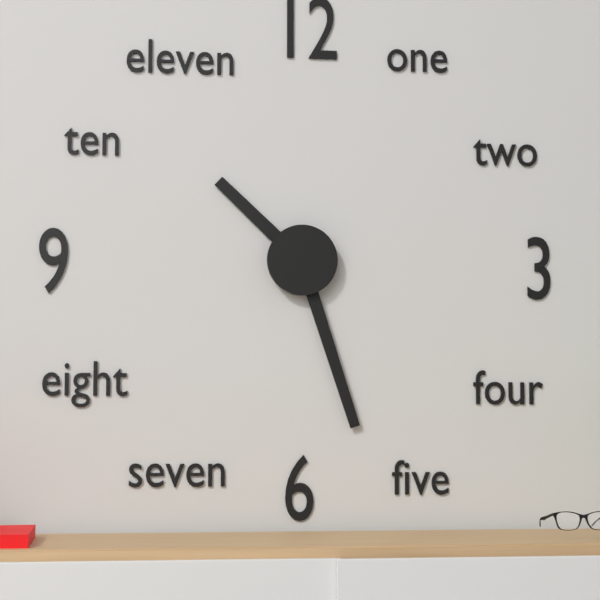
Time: **10:27**
